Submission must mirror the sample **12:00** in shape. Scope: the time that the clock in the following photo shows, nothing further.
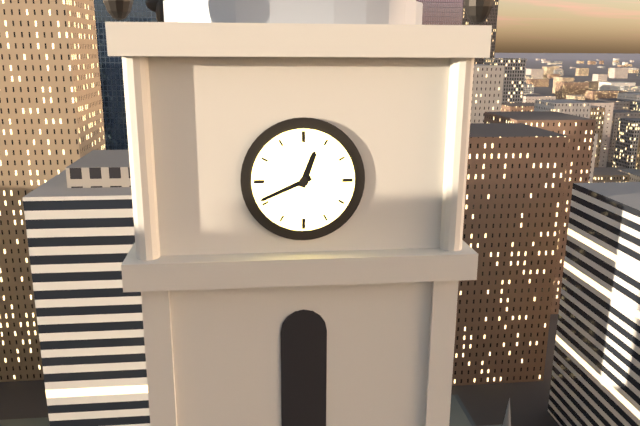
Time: **12:41**
